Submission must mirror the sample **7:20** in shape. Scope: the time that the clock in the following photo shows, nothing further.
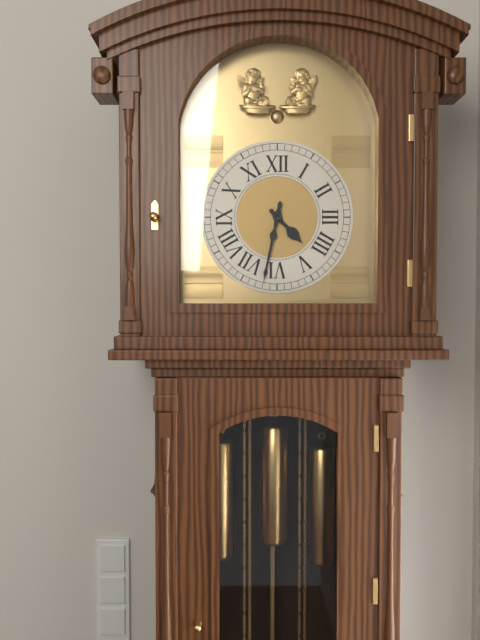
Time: **4:32**
